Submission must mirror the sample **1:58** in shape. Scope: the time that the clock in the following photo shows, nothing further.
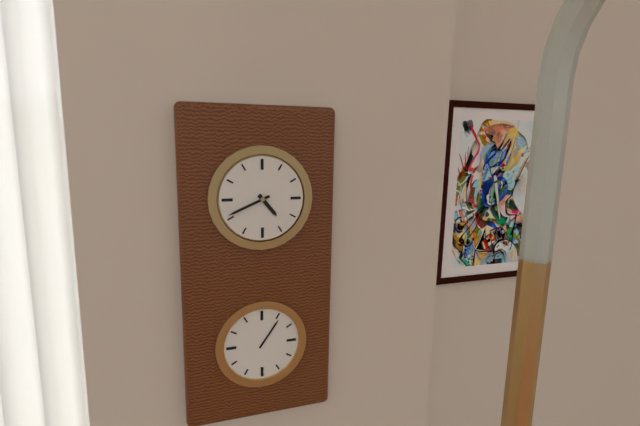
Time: **4:41**
